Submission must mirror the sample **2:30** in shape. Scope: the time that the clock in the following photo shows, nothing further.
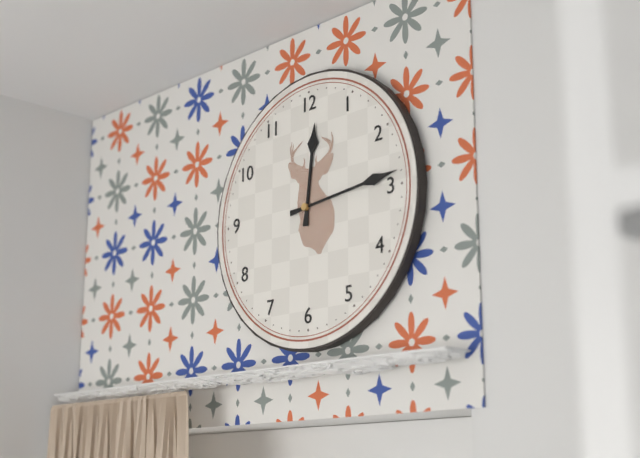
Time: **12:14**
